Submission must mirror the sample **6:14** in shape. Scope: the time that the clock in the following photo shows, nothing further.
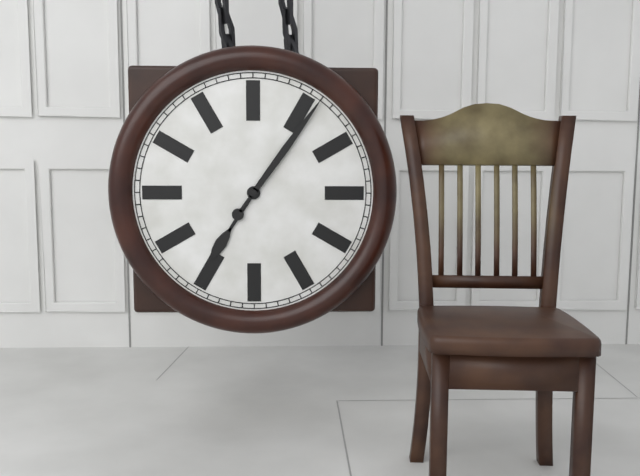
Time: **7:06**
